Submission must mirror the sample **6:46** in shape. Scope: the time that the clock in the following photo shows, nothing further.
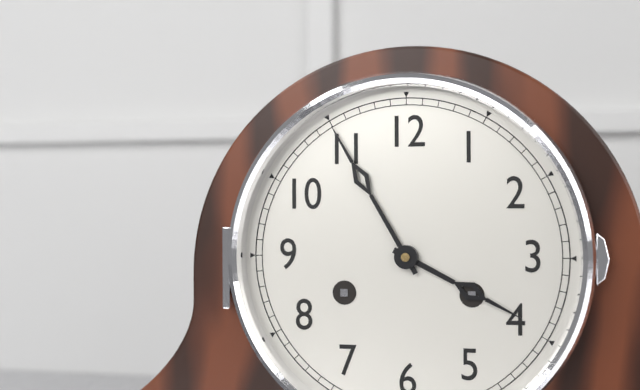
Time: **3:55**
